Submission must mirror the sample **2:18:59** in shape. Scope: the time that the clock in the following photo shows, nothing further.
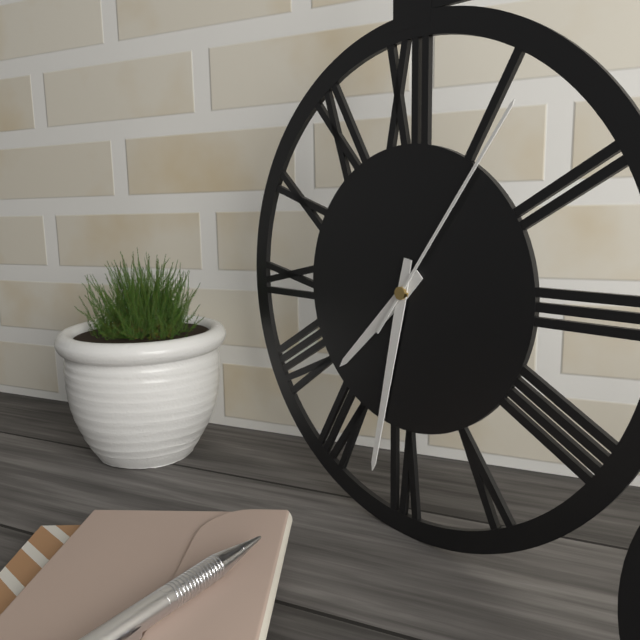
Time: **7:32:06**
